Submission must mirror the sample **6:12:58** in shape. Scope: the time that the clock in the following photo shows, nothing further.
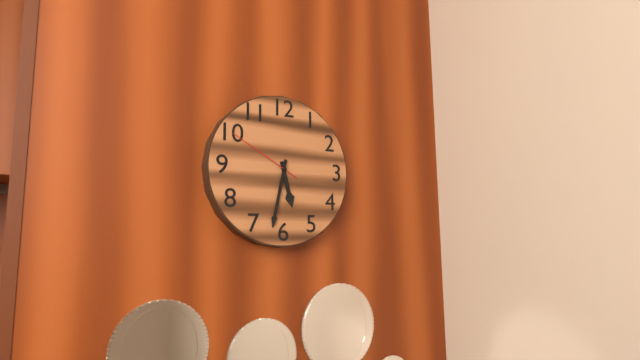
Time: **5:32:50**
